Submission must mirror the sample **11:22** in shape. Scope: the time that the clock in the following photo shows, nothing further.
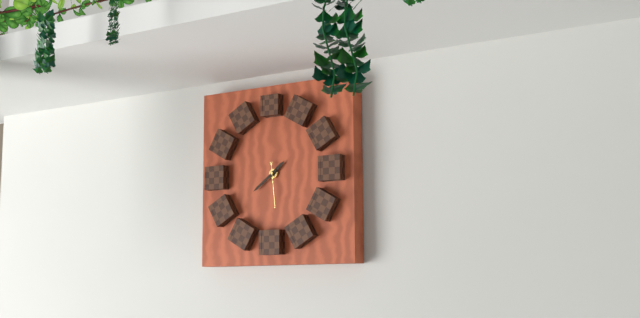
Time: **1:39**
